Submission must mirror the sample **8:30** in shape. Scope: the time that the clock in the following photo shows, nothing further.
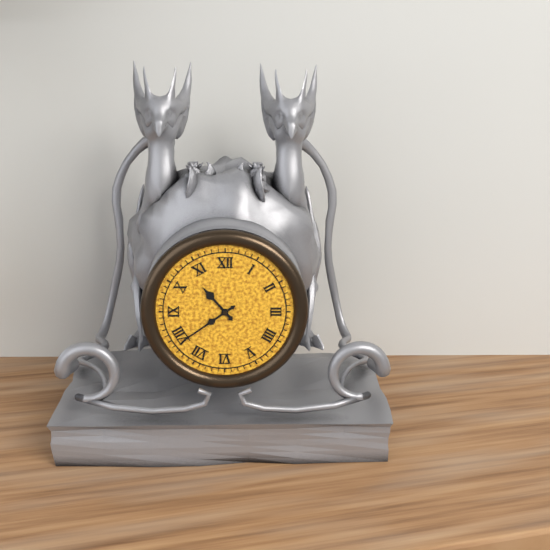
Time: **10:39**
